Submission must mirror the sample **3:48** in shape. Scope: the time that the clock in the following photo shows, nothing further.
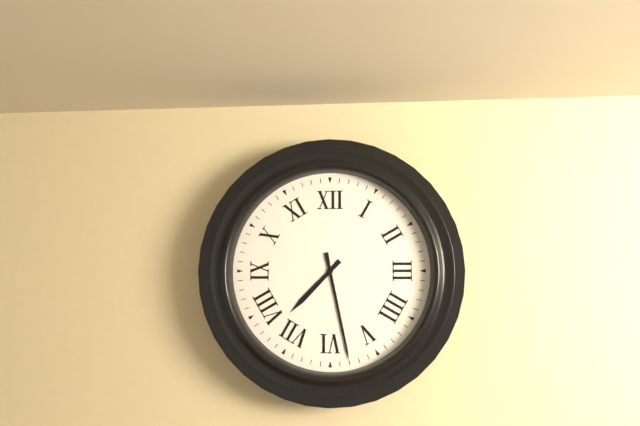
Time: **7:28**
